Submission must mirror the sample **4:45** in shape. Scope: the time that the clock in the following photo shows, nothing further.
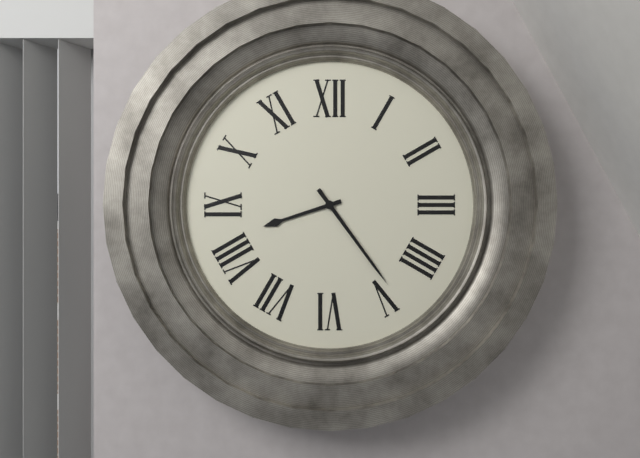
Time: **8:24**
